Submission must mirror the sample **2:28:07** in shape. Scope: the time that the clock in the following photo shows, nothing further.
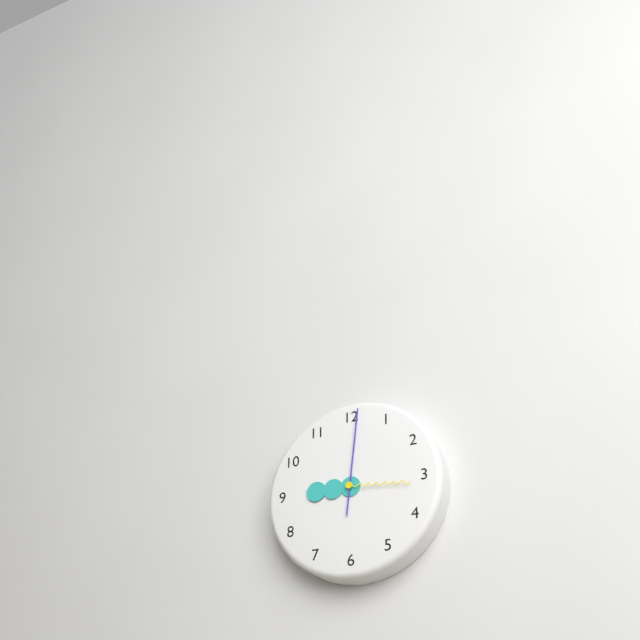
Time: **9:01:16**
